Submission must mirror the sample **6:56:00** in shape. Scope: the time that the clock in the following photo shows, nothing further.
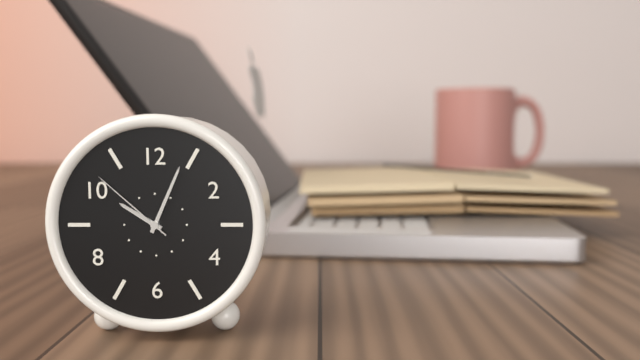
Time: **10:04:52**
